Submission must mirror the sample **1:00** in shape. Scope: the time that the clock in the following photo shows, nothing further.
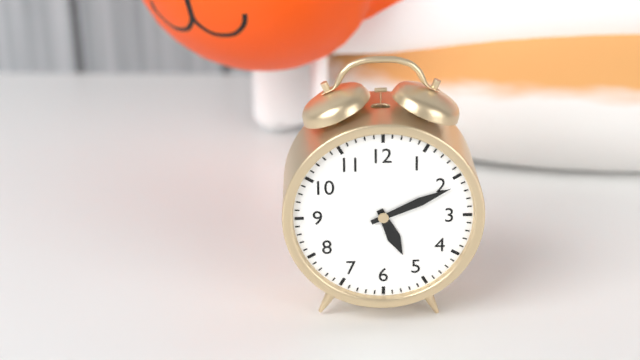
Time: **5:11**
